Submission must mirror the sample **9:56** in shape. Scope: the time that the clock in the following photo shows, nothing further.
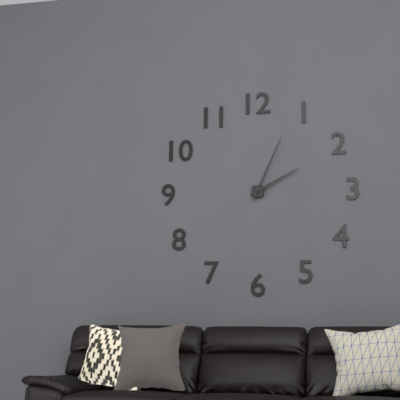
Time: **2:04**
